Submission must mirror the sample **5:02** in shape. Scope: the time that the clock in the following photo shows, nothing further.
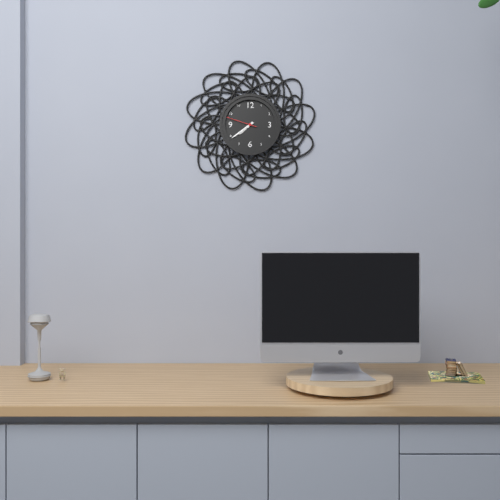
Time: **7:39**
